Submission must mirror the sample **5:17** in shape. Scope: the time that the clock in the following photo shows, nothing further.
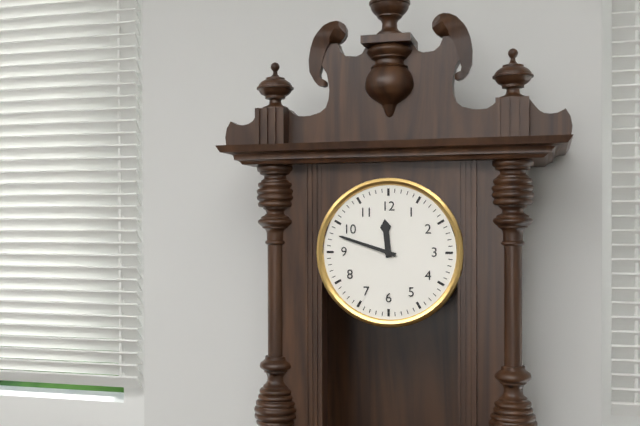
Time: **11:48**
